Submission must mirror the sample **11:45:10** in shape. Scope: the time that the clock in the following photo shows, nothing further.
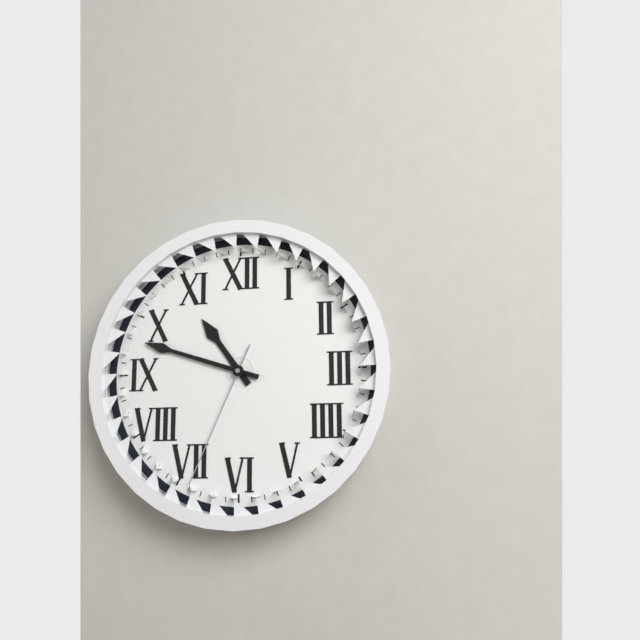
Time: **10:48:34**
